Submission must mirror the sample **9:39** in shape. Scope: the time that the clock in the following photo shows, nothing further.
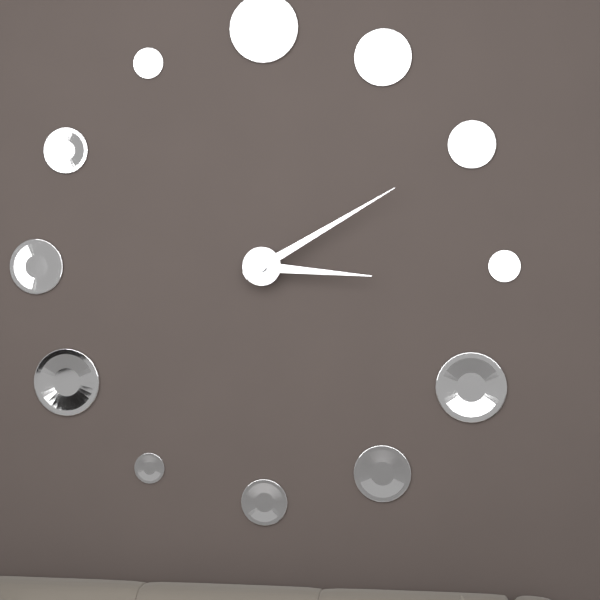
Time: **3:10**
